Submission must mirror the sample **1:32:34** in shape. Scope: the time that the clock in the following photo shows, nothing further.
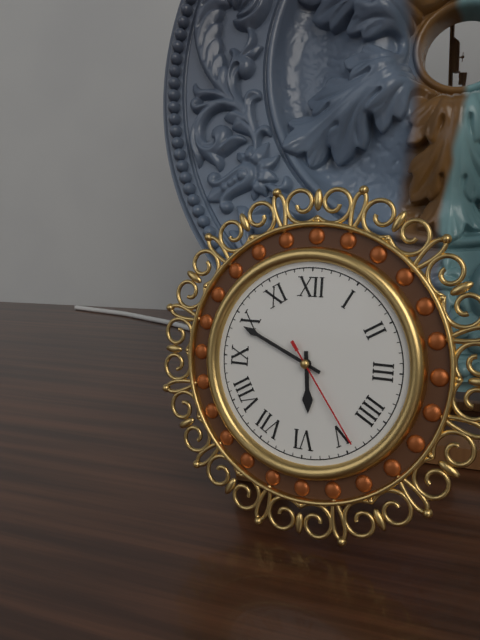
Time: **5:49:24**
